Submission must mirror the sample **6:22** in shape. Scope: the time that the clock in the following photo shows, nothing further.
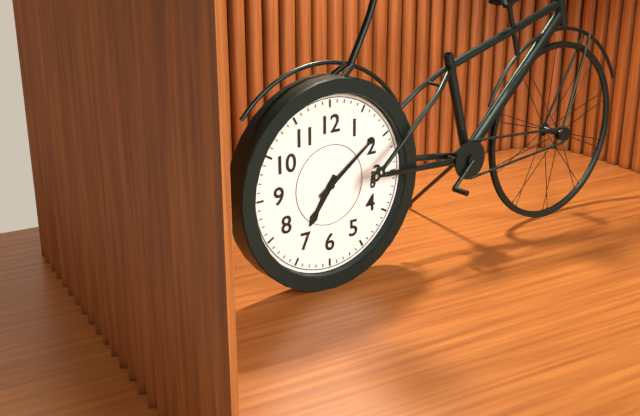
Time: **7:09**
